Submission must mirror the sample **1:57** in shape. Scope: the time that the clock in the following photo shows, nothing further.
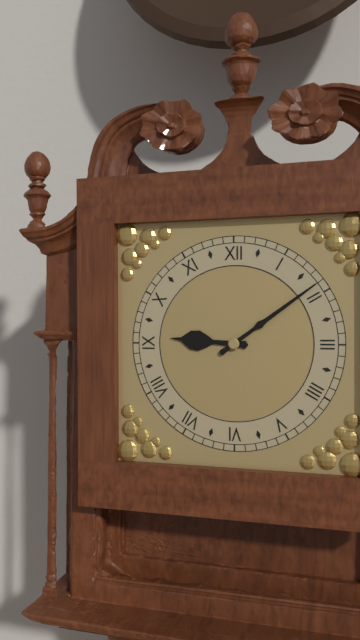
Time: **9:09**
